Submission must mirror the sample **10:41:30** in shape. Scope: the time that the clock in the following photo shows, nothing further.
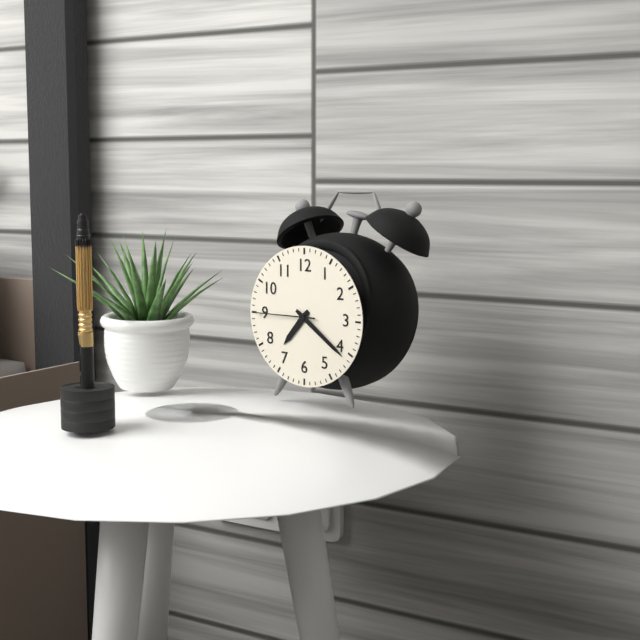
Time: **7:21:45**
